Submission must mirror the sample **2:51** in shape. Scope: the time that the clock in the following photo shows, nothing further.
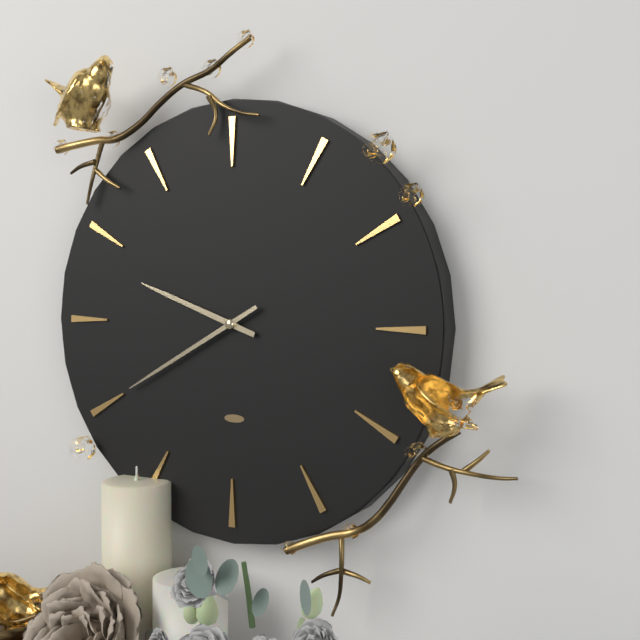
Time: **9:40**
